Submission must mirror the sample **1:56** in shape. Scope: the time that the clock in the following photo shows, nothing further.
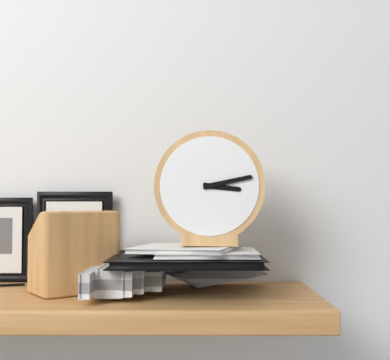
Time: **3:13**
